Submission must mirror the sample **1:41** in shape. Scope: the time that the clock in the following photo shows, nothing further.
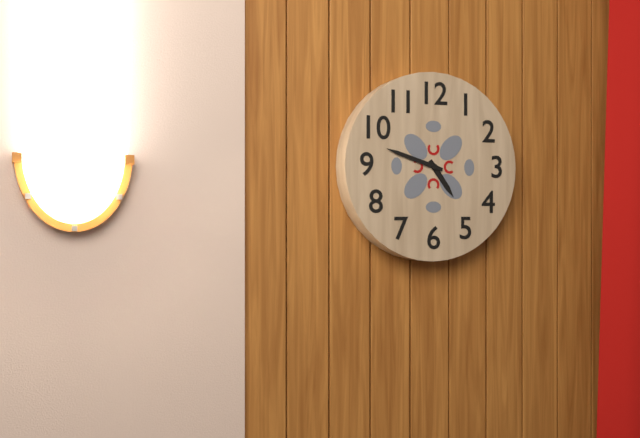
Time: **4:48**
